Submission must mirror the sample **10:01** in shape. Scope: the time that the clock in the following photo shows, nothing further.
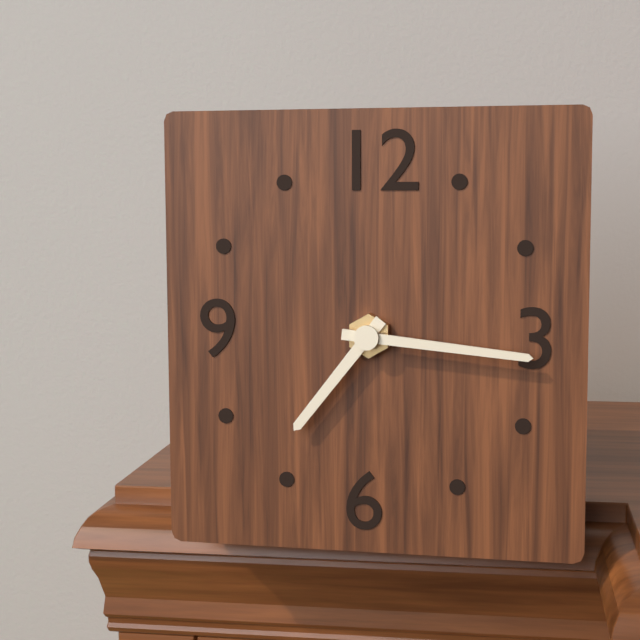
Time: **7:16**
